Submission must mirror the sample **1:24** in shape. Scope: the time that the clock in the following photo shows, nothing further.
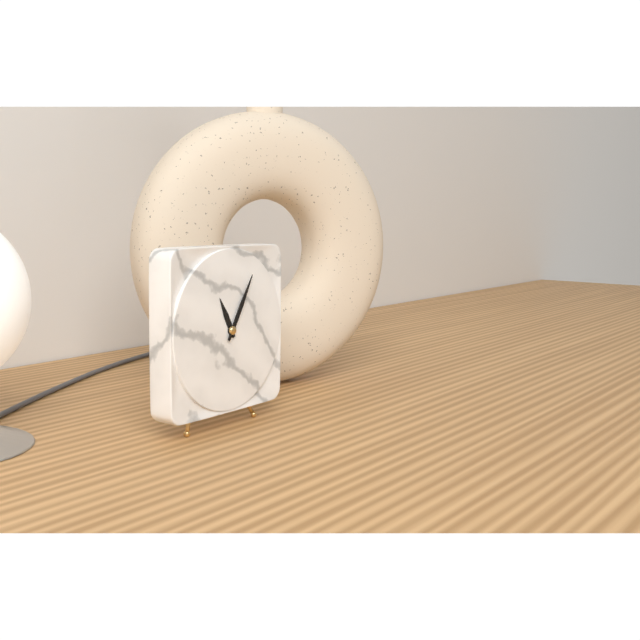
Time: **11:05**
